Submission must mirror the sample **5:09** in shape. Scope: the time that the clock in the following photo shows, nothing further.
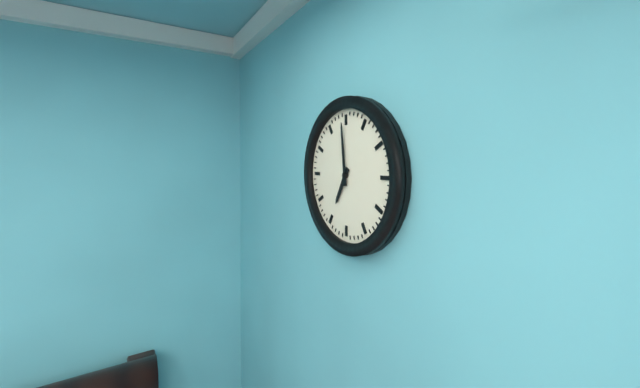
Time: **6:59**
